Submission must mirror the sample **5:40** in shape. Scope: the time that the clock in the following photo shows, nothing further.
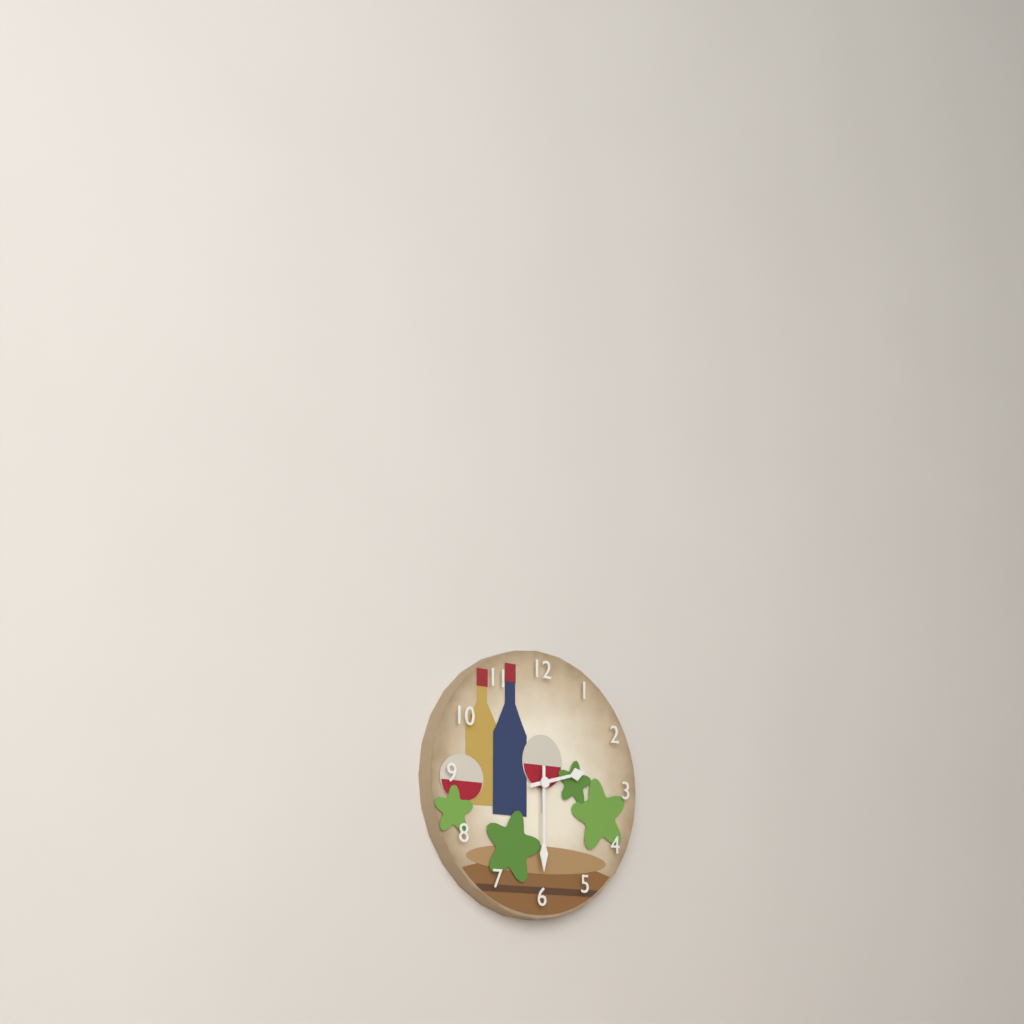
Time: **2:30**
